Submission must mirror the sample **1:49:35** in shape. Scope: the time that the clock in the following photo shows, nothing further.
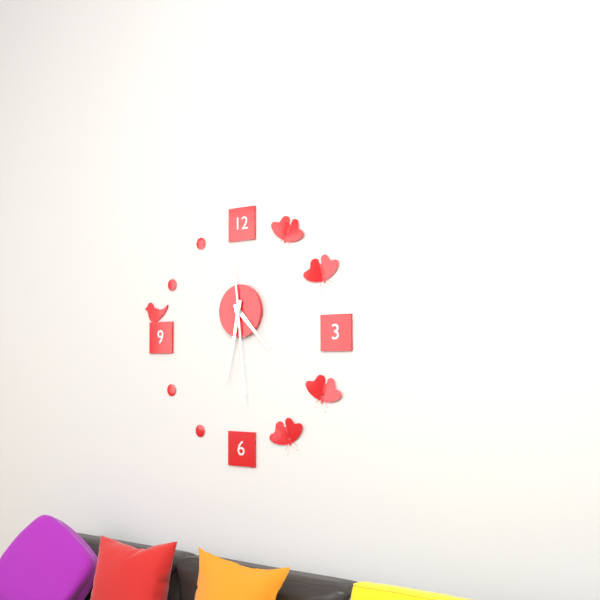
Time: **4:32:29**
